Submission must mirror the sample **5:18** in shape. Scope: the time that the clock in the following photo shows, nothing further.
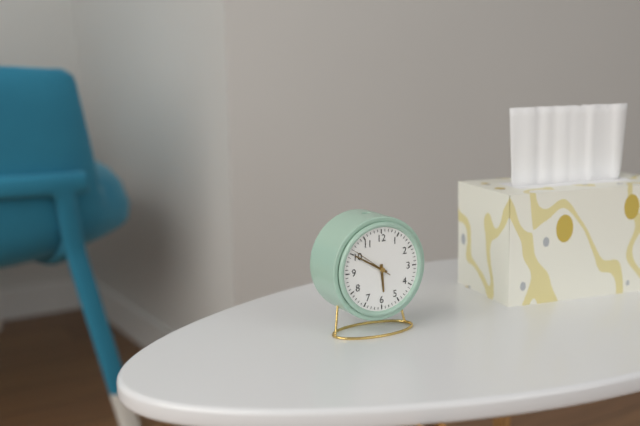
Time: **5:50**
